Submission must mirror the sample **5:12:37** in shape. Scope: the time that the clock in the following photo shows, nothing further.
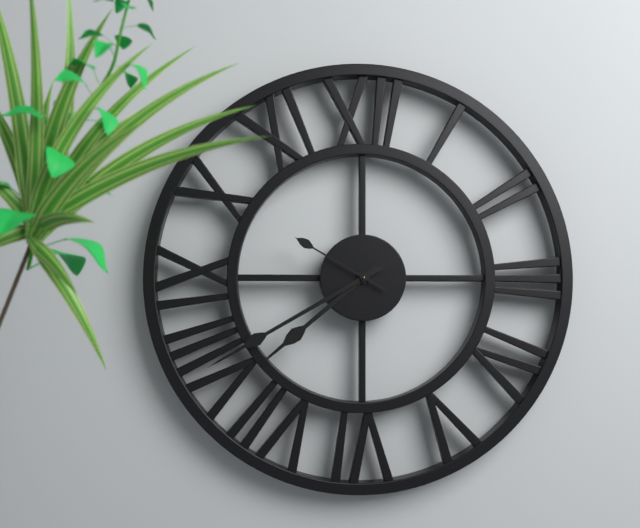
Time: **7:40:50**
